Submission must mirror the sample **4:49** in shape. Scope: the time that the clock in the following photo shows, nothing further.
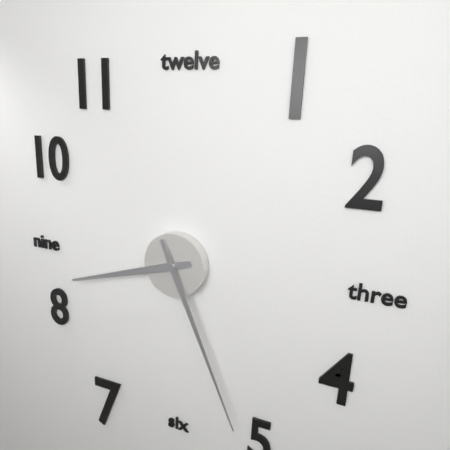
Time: **8:26**
